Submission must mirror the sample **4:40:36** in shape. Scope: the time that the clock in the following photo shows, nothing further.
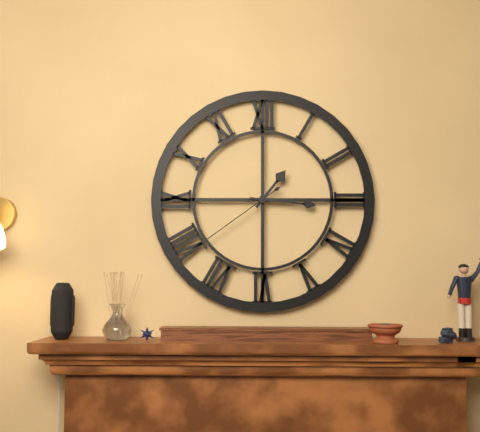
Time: **1:16:39**
